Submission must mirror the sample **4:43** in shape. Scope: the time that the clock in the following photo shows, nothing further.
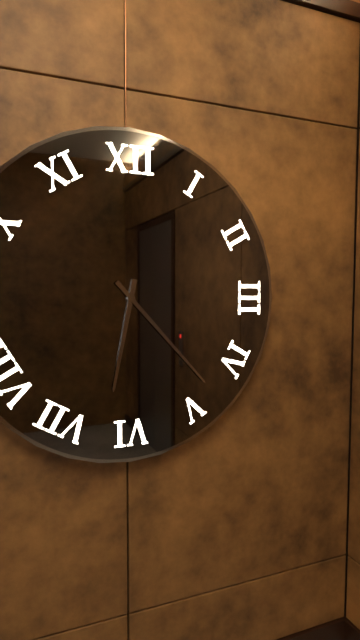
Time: **6:23**
